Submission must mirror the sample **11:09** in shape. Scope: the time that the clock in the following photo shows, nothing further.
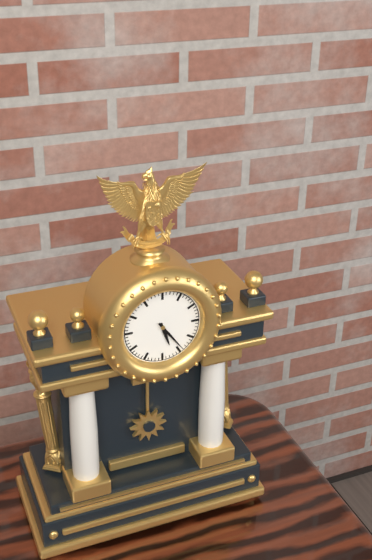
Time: **5:24**
